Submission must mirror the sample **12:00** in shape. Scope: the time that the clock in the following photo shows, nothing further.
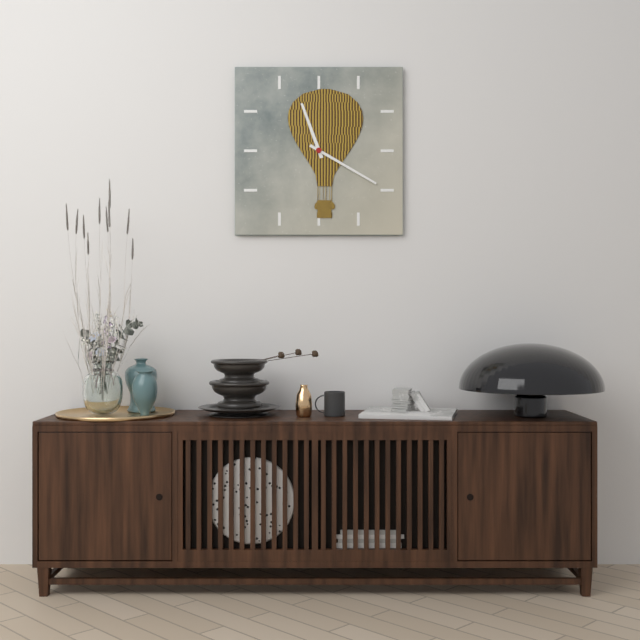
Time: **11:20**
